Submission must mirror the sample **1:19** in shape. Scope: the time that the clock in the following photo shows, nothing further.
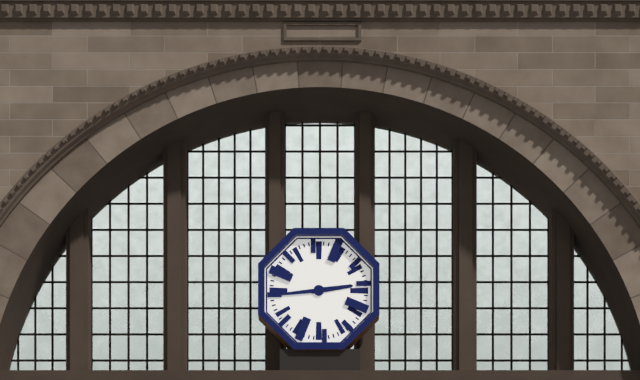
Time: **2:44**
